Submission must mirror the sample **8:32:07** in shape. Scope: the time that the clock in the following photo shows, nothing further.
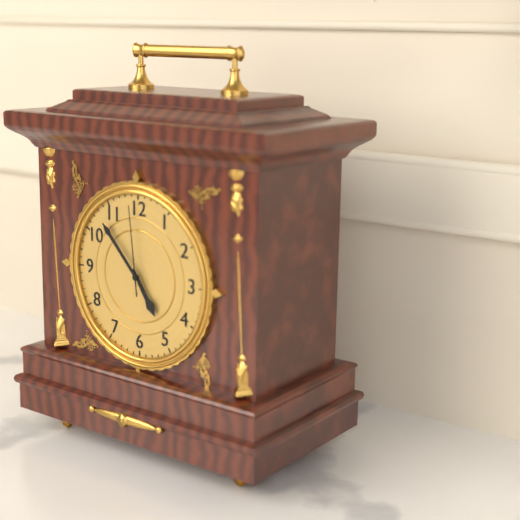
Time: **4:53:59**
